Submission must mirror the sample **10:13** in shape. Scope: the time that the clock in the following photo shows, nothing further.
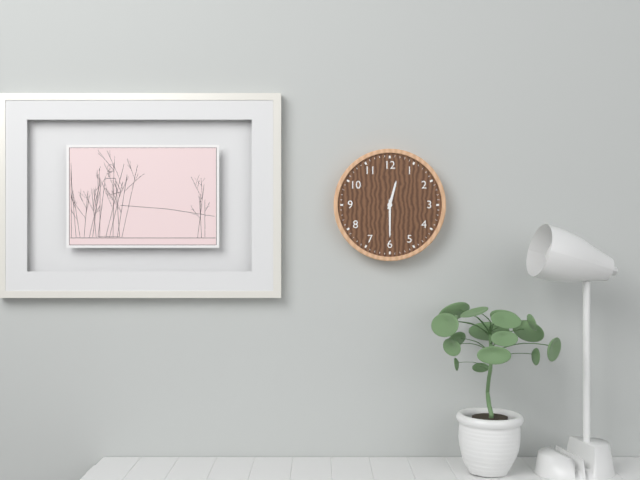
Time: **12:30**
